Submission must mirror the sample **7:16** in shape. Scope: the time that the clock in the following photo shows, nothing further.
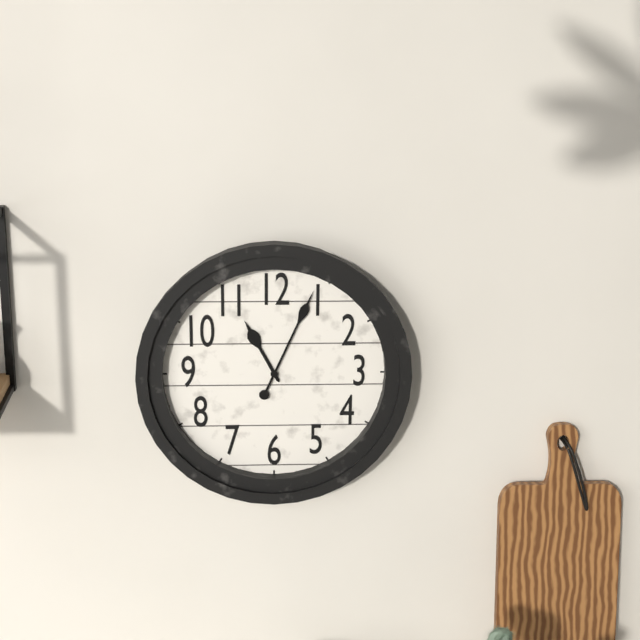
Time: **11:04**
